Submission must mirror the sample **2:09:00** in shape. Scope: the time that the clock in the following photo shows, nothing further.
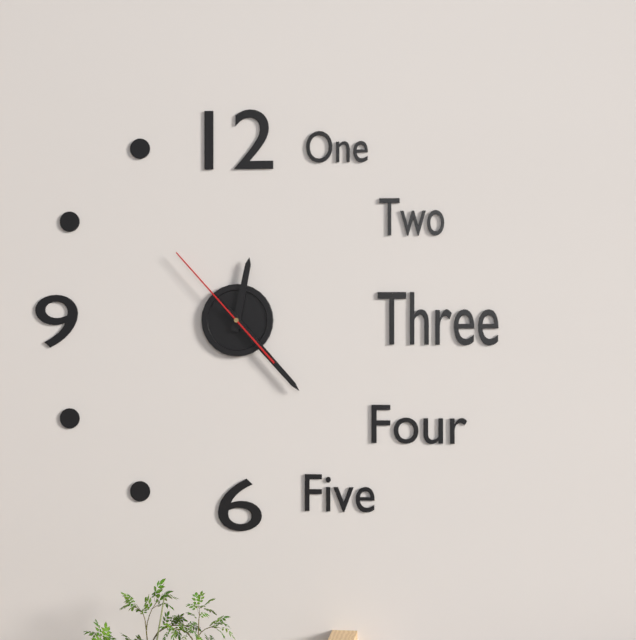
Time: **12:23:53**
